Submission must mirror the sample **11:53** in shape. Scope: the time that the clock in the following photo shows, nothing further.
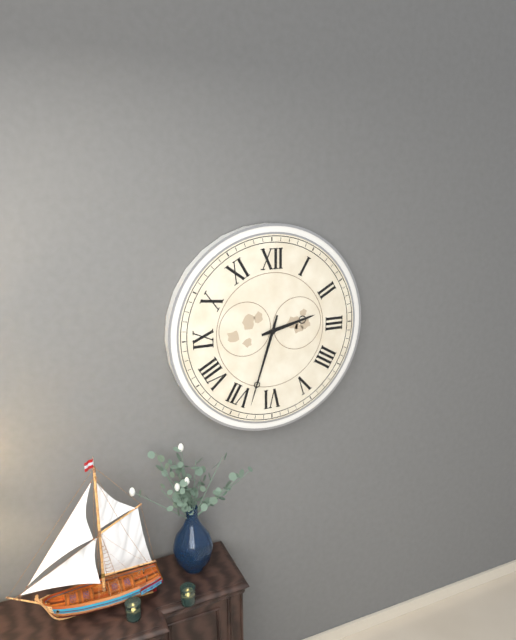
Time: **2:33**
